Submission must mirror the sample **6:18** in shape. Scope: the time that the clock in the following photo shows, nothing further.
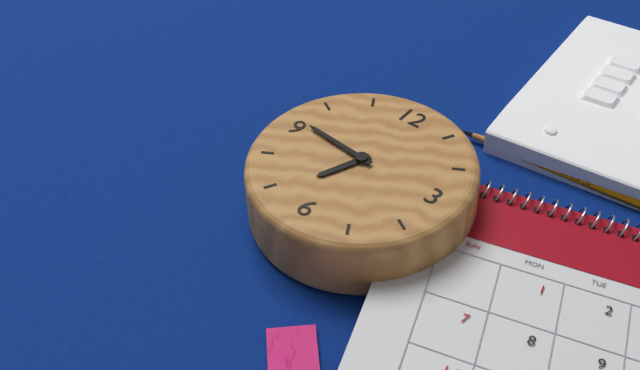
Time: **6:46**
